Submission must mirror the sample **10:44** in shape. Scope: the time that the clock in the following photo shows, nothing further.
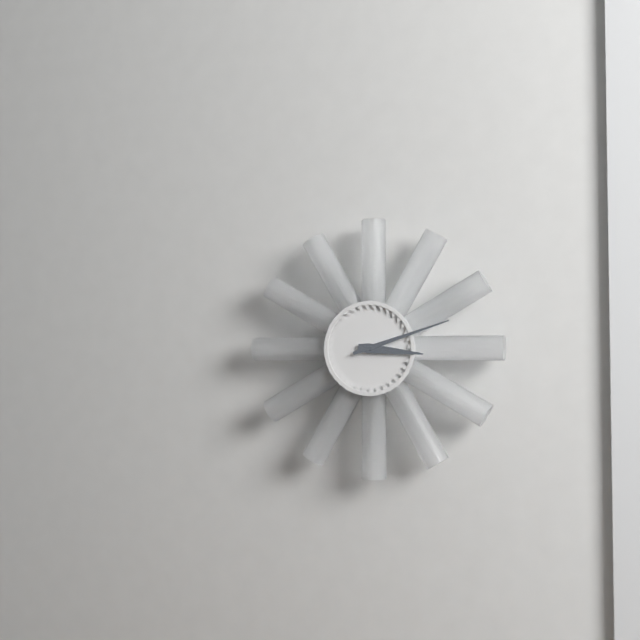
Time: **3:12**
